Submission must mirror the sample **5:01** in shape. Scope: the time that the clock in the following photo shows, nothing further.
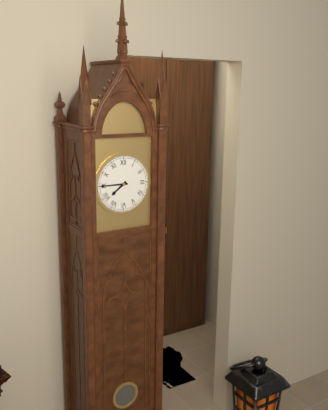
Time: **7:45**
